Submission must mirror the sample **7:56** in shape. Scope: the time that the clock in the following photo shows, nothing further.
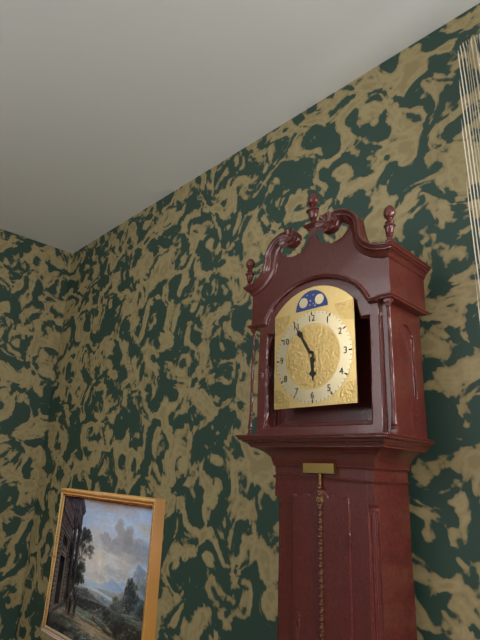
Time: **5:55**
